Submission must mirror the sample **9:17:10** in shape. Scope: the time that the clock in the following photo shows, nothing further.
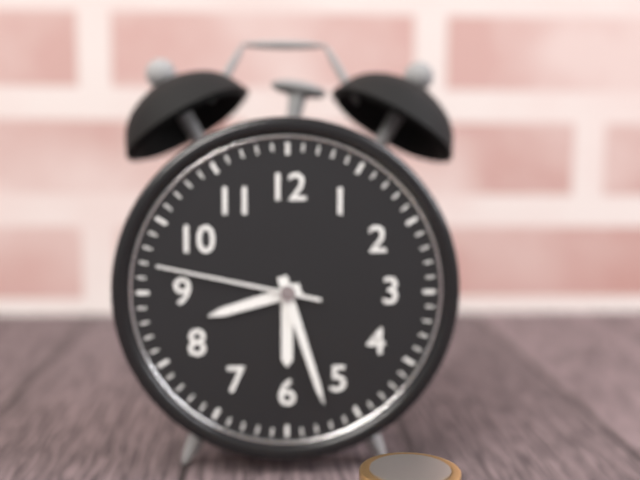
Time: **8:27:47**
